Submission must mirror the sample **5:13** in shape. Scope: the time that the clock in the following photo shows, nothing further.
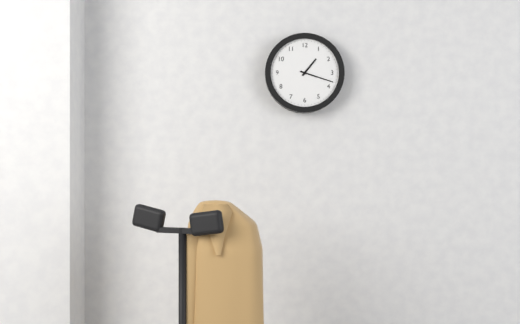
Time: **1:18**
